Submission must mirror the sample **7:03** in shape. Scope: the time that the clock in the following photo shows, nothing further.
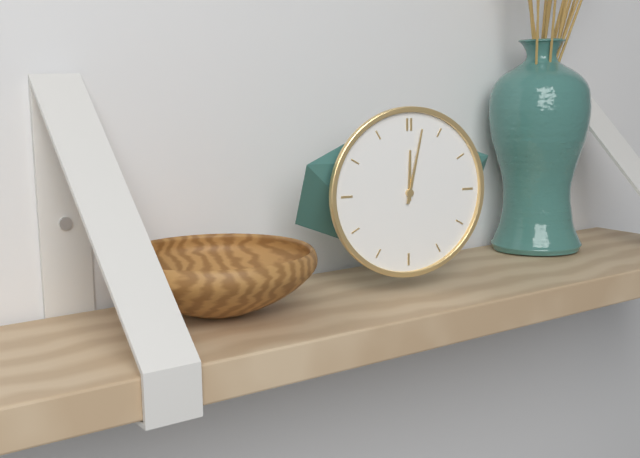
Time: **12:02**
